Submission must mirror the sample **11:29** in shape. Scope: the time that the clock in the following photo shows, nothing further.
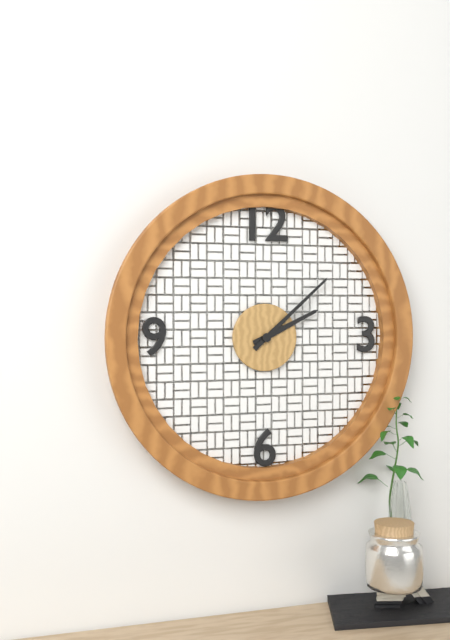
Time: **2:08**
